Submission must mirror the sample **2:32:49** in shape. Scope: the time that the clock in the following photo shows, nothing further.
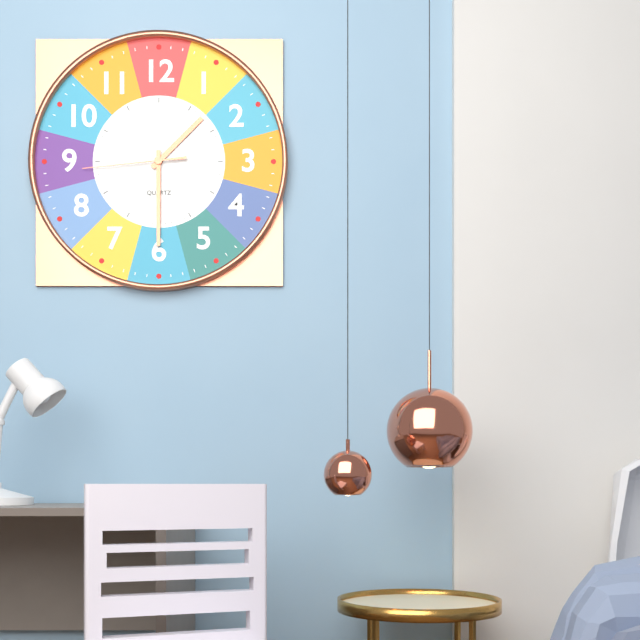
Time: **1:30:44**
